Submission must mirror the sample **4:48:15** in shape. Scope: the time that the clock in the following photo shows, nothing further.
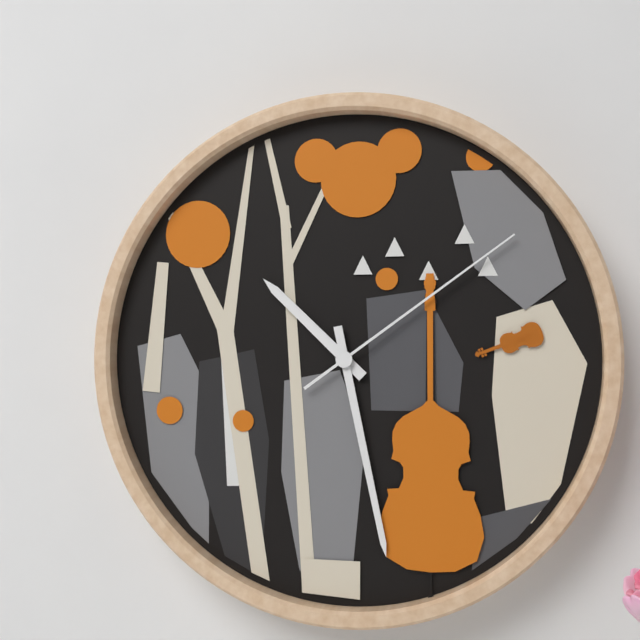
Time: **10:28:09**
